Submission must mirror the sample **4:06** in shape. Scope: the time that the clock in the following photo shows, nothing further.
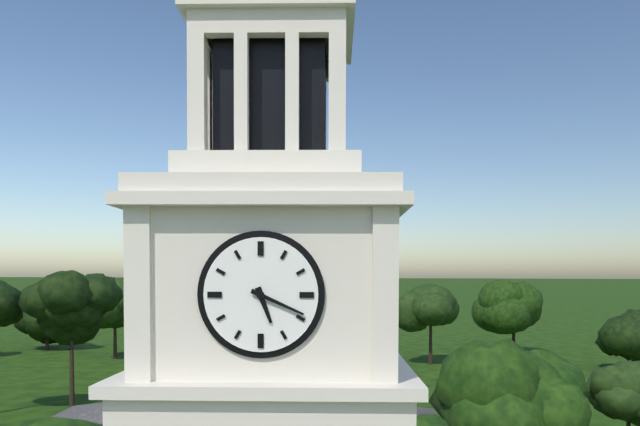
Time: **5:19**
